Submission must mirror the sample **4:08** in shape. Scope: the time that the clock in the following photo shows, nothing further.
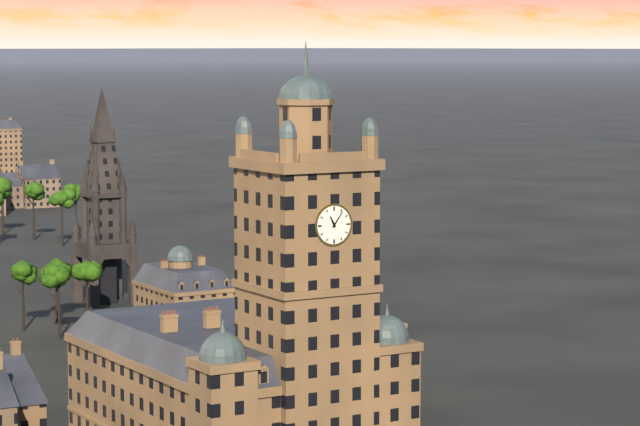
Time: **11:06**
